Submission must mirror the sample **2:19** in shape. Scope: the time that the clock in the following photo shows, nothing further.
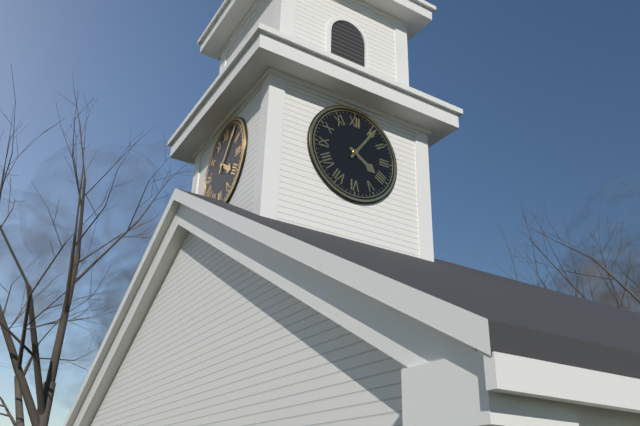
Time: **4:06**
